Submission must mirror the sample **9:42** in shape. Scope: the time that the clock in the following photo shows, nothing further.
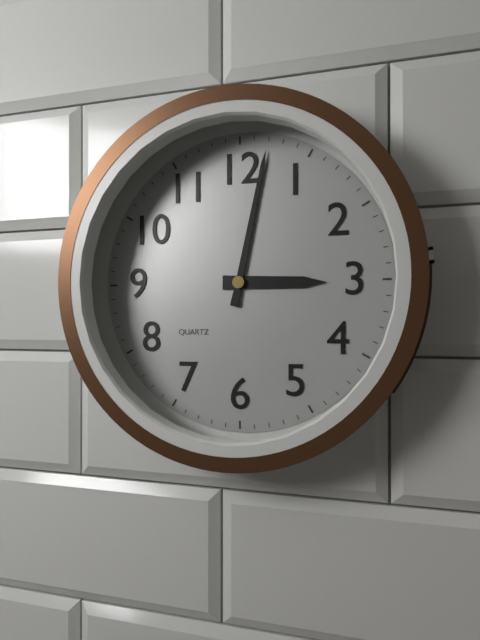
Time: **3:02**
